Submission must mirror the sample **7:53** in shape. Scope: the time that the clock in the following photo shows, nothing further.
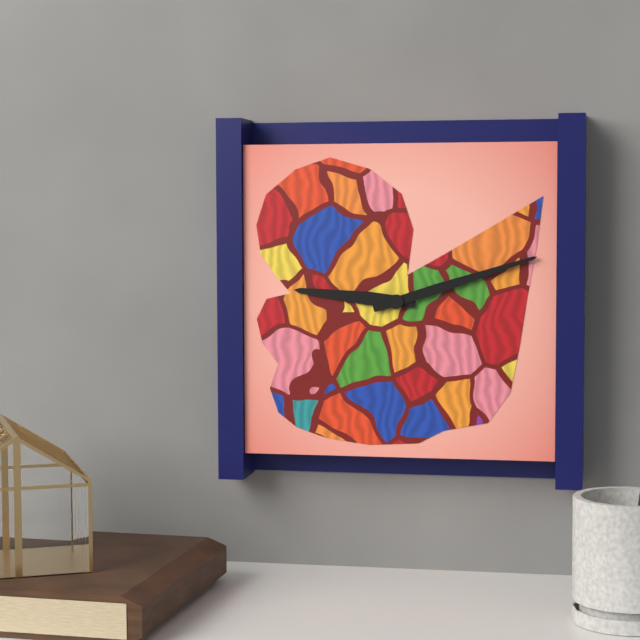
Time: **9:12**
